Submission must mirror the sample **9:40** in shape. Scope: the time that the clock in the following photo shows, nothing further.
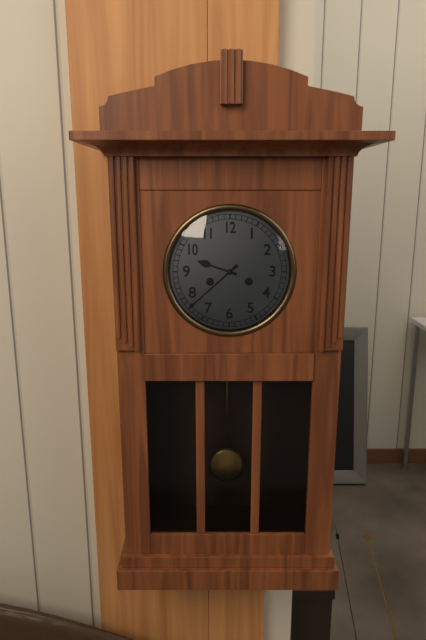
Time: **9:38**
